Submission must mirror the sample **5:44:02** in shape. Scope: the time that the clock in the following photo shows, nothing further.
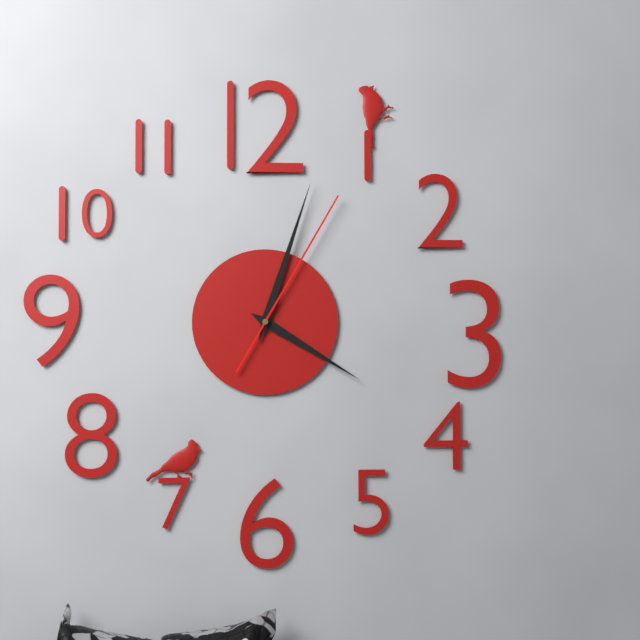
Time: **4:03:05**
